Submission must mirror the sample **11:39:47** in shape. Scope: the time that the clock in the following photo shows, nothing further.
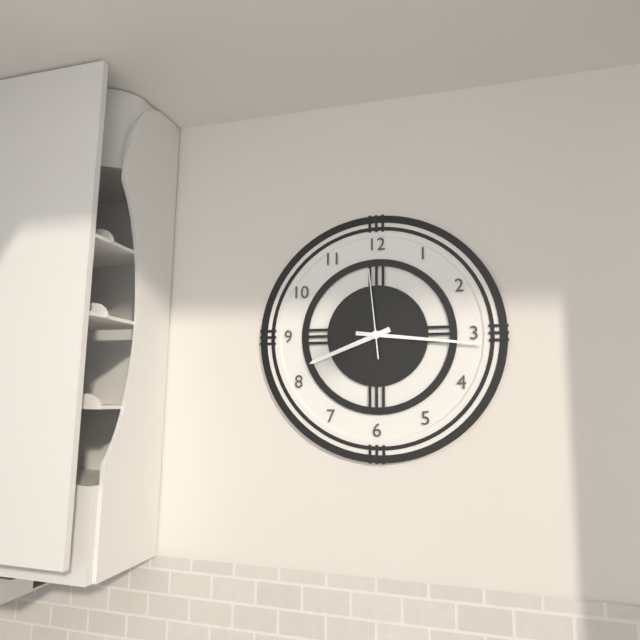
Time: **8:16:59**
